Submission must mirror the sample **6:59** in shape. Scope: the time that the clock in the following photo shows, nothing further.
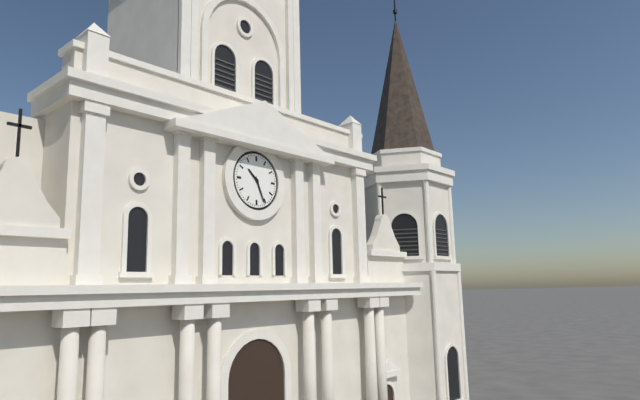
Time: **10:26**
